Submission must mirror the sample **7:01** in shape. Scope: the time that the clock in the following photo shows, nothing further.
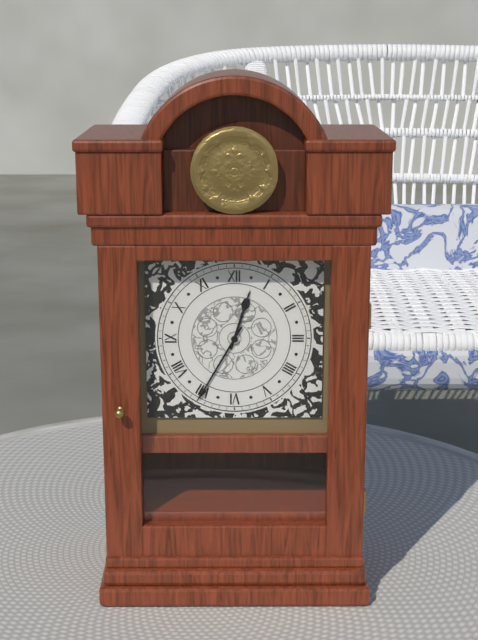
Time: **12:35**
